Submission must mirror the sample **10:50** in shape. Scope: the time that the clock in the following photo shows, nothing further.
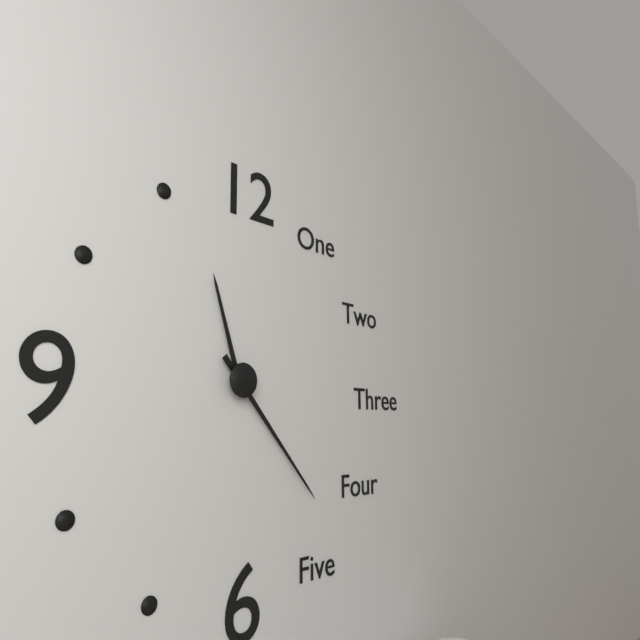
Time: **11:23**
